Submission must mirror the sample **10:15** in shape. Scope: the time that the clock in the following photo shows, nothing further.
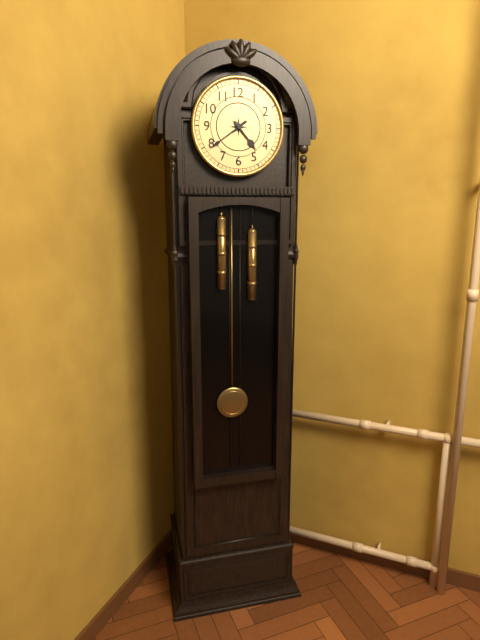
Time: **4:39**
